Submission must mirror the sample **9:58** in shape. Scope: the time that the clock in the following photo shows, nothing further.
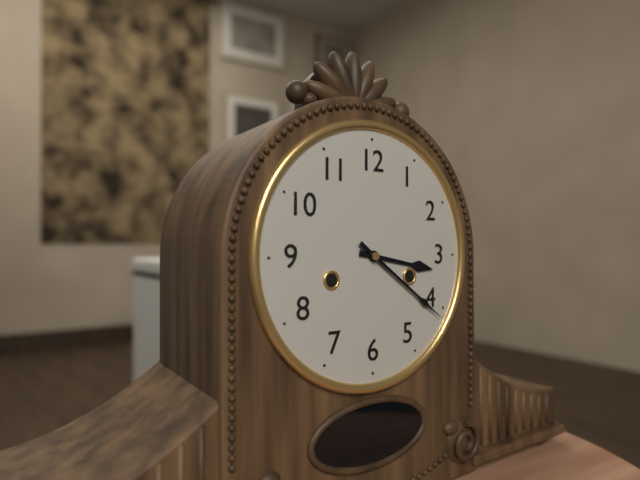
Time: **3:21**
